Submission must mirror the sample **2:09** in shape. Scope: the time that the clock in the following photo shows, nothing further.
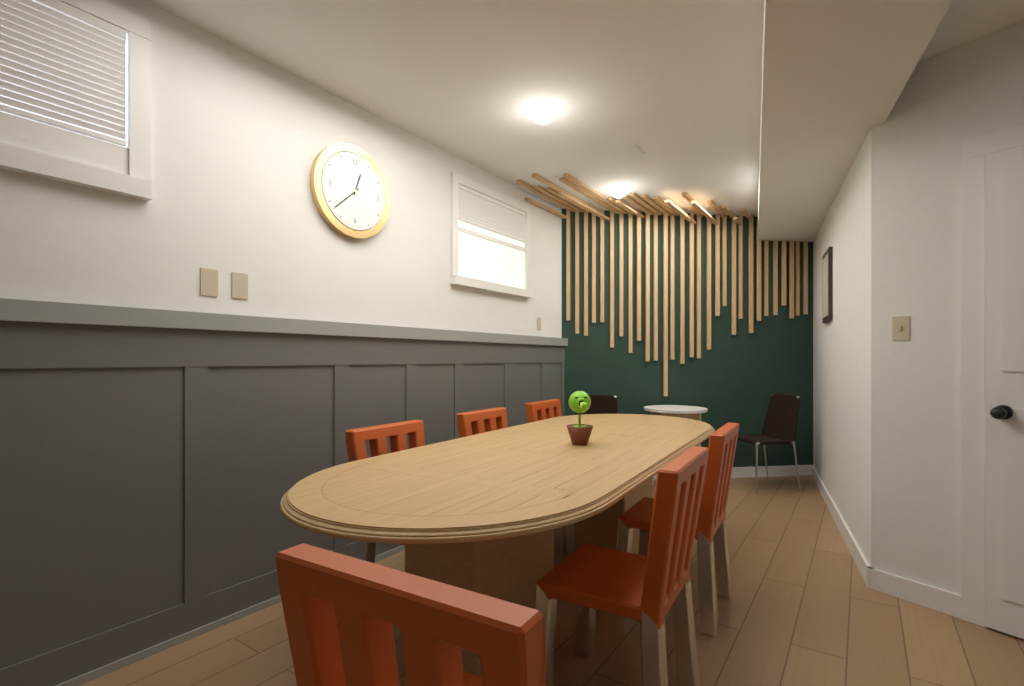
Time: **12:38**
